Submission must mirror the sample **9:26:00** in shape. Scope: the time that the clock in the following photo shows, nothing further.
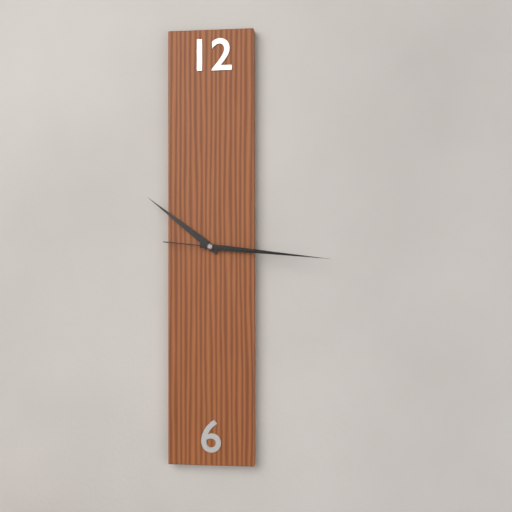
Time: **10:16:16**
